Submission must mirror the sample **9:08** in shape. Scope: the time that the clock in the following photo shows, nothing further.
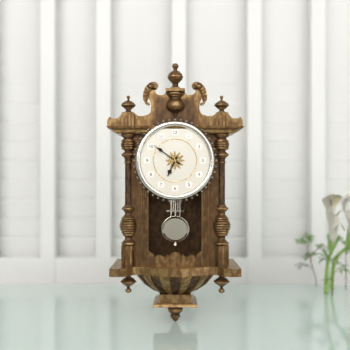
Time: **6:51**
